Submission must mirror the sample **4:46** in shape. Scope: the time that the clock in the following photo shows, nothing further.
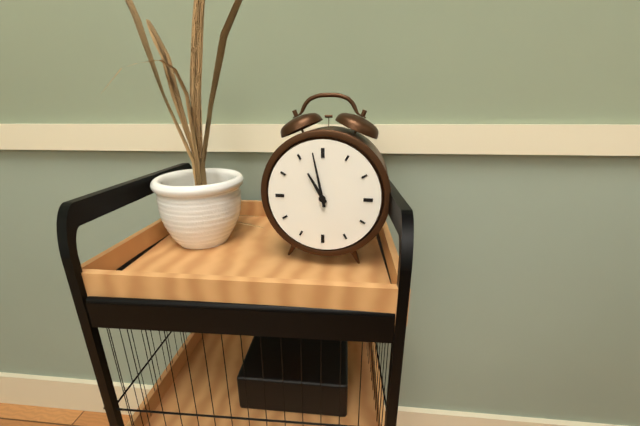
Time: **10:58**
